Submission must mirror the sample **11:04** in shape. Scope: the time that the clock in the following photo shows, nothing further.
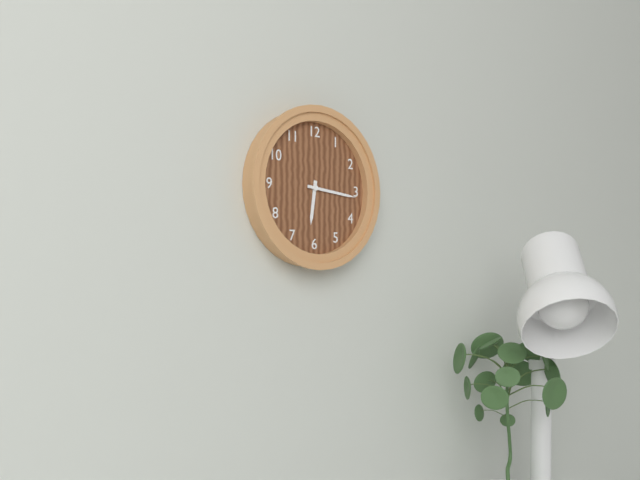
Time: **6:16**
